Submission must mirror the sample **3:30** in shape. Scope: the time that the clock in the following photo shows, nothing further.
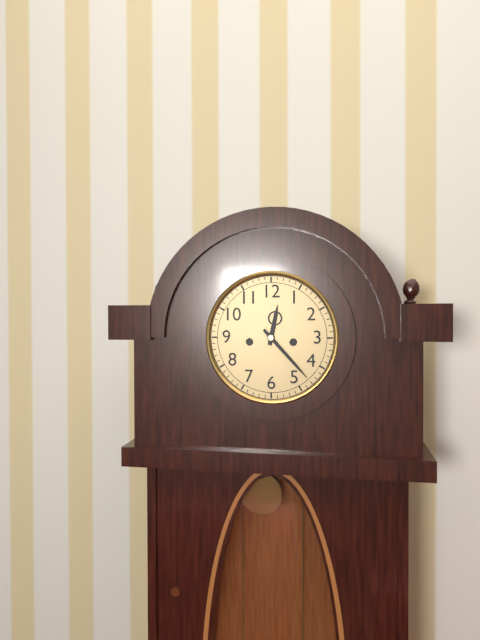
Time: **12:23**
